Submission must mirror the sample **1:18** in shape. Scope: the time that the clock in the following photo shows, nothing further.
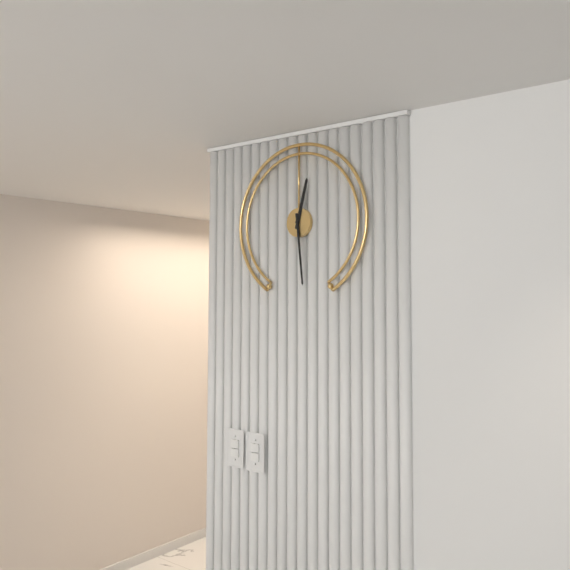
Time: **12:29**
